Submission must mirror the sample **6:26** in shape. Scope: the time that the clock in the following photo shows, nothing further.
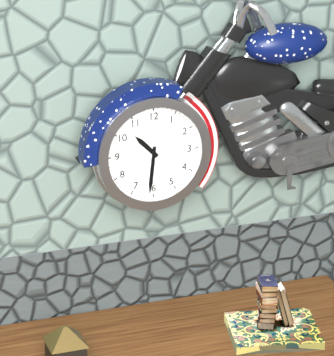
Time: **10:31**
